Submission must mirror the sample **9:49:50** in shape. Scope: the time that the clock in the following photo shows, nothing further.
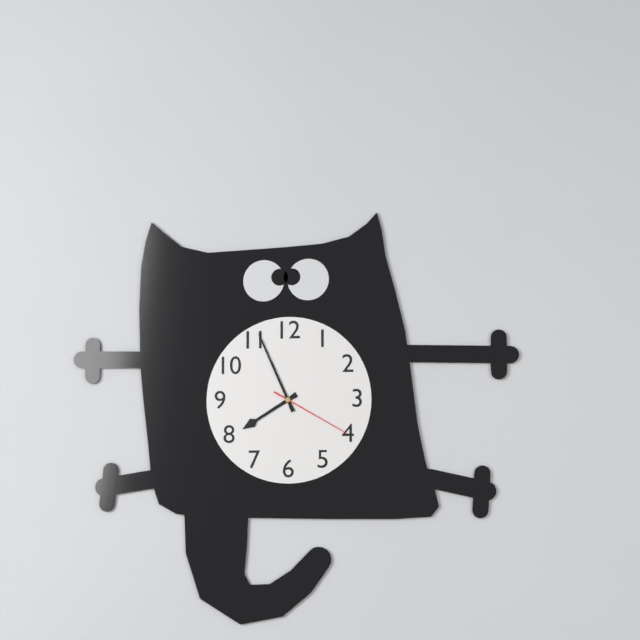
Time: **7:56:20**
